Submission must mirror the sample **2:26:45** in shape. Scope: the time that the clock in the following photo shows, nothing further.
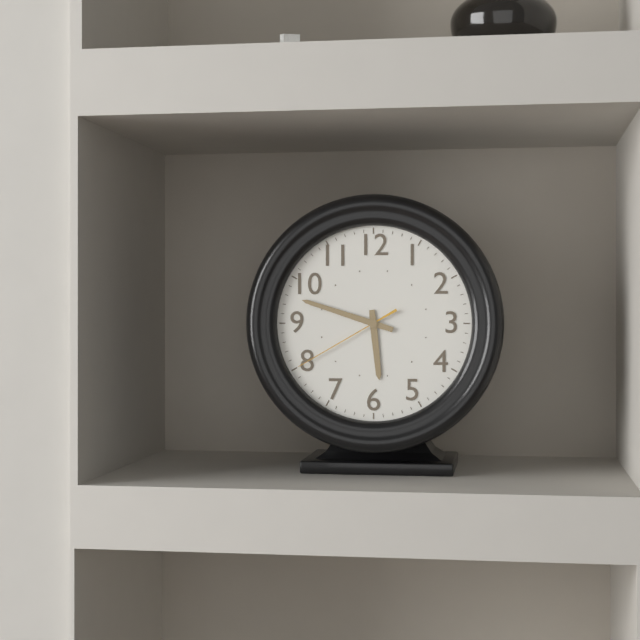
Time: **5:48:40**
